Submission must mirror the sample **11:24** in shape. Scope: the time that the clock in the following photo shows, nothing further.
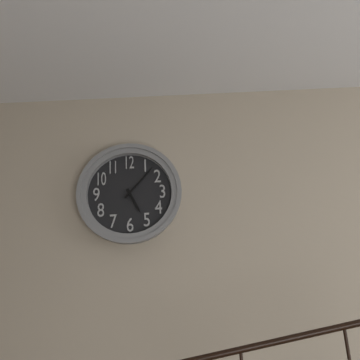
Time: **5:07**
